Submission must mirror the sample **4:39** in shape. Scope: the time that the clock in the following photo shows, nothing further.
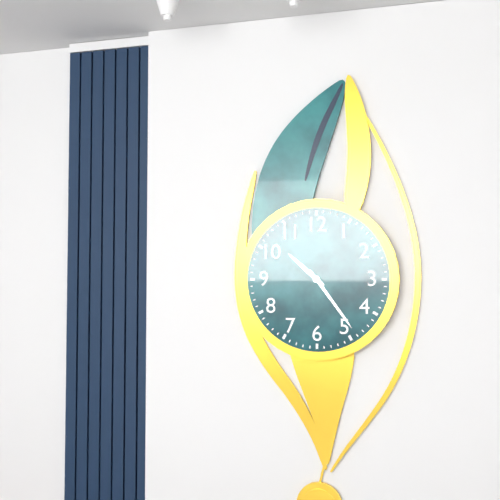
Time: **10:24**
